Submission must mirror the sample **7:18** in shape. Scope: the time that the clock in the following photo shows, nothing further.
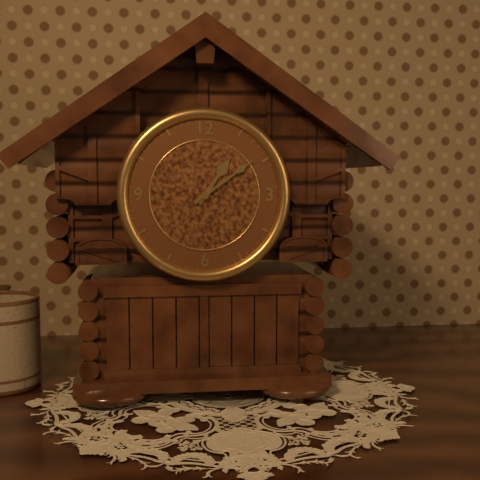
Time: **1:09**
